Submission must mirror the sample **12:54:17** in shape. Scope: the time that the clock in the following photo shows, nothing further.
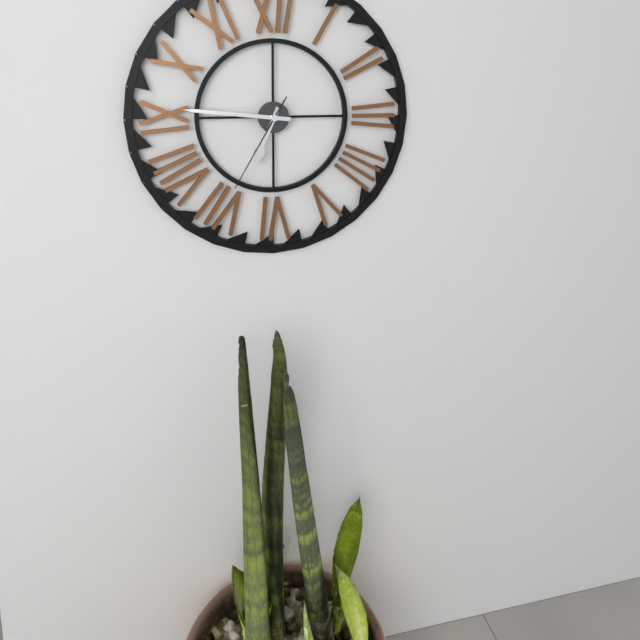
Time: **6:46:35**
